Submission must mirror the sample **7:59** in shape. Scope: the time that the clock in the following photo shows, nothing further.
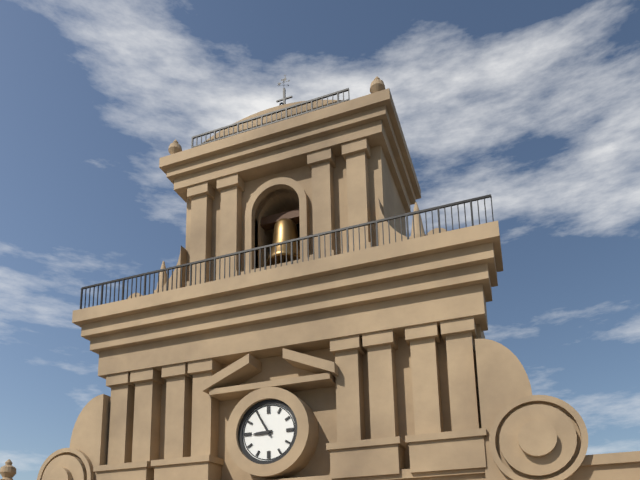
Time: **8:55**
